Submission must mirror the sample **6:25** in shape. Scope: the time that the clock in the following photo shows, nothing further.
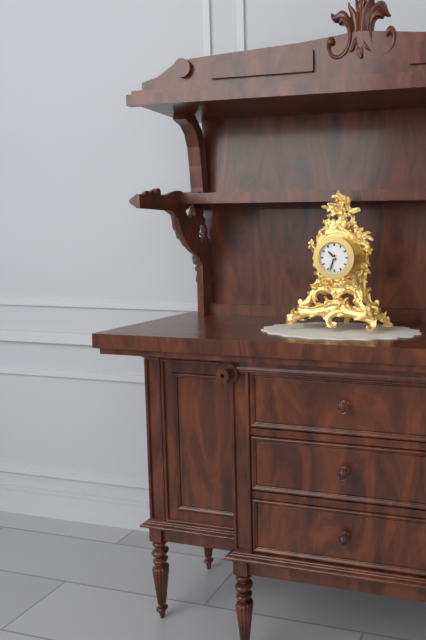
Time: **10:33**
